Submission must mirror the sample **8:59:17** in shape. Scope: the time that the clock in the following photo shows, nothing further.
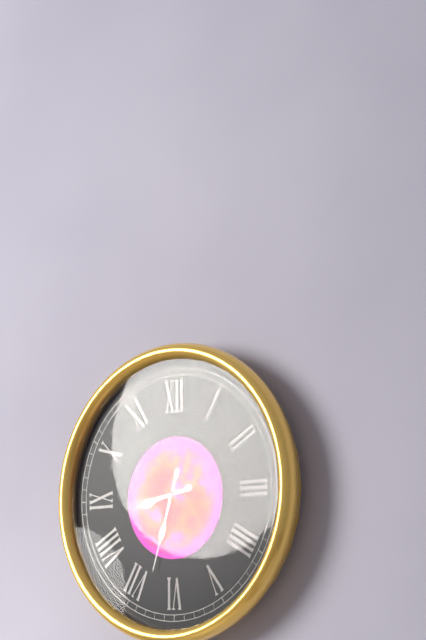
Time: **8:33:44**
